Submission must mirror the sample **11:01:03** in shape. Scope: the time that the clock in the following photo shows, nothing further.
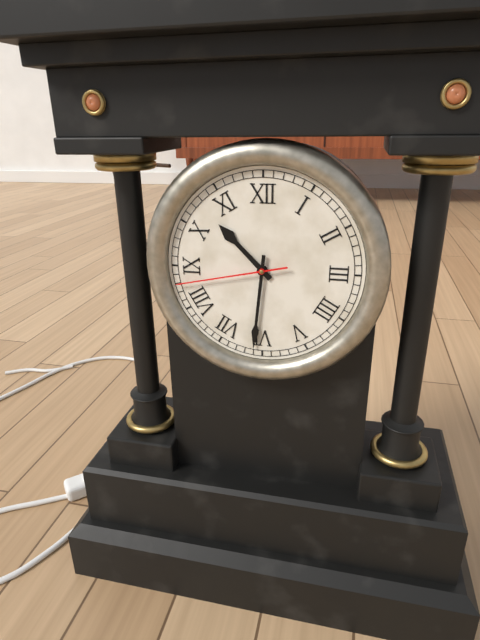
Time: **10:31:43**
